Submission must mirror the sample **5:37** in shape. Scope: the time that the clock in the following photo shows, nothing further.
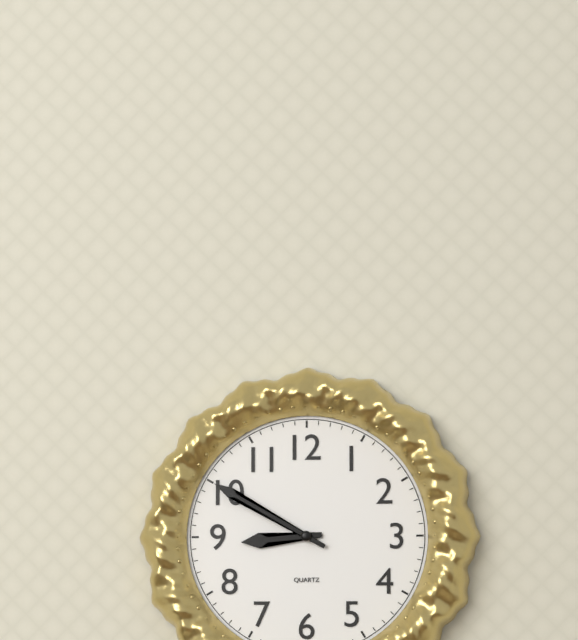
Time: **8:50**
